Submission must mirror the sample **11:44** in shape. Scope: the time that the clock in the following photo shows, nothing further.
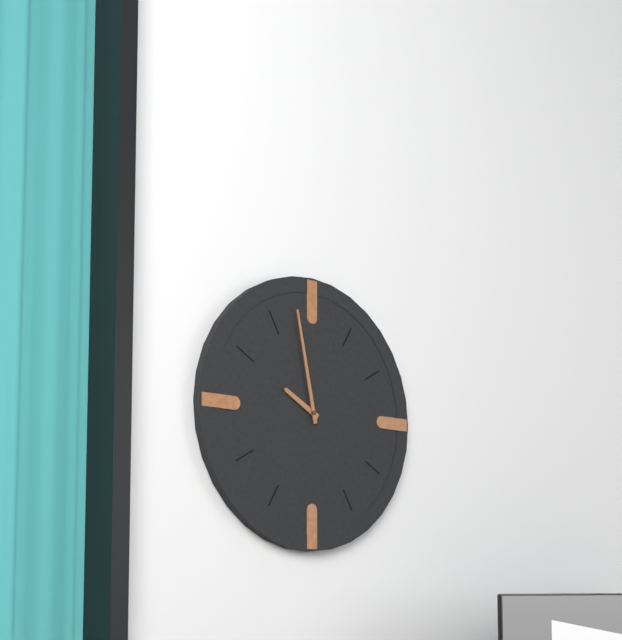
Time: **9:58**
